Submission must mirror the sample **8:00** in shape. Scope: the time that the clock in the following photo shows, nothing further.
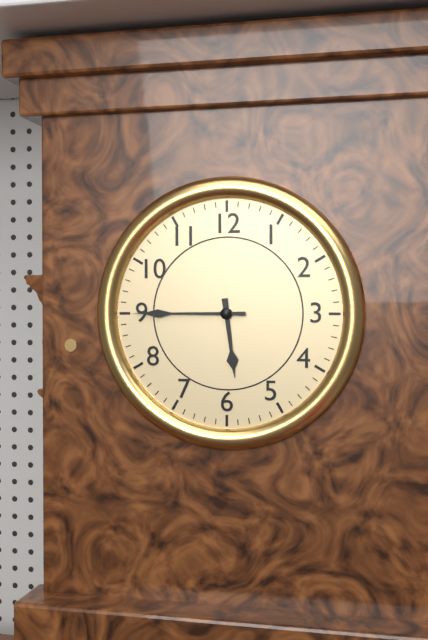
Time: **5:45**
